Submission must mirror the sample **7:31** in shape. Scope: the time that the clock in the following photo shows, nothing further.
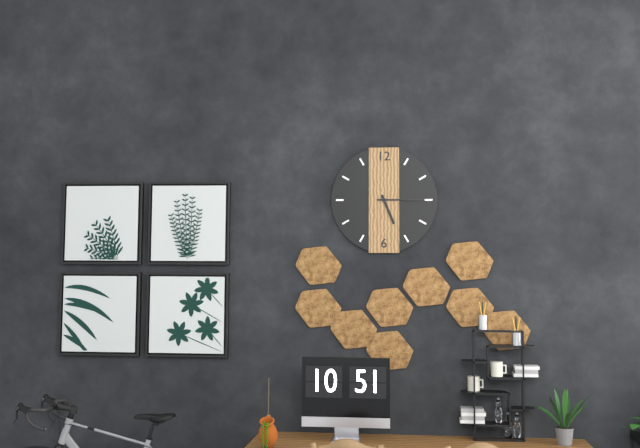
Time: **5:15**
